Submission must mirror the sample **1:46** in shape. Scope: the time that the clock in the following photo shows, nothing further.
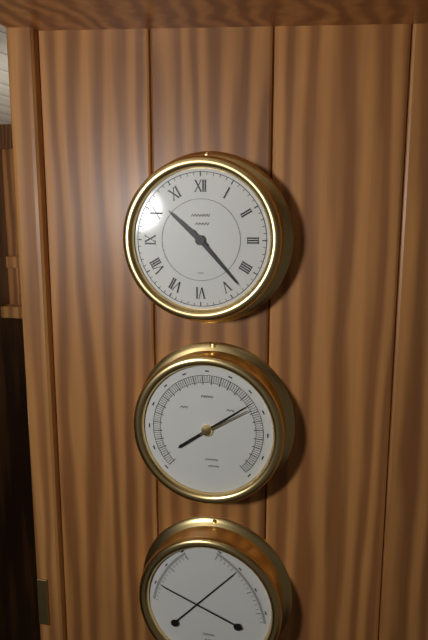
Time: **10:23**
